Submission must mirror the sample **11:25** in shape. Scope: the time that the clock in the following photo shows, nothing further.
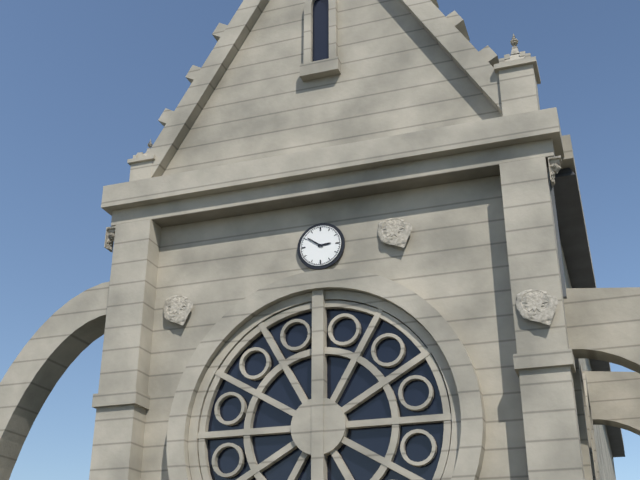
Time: **2:51**
